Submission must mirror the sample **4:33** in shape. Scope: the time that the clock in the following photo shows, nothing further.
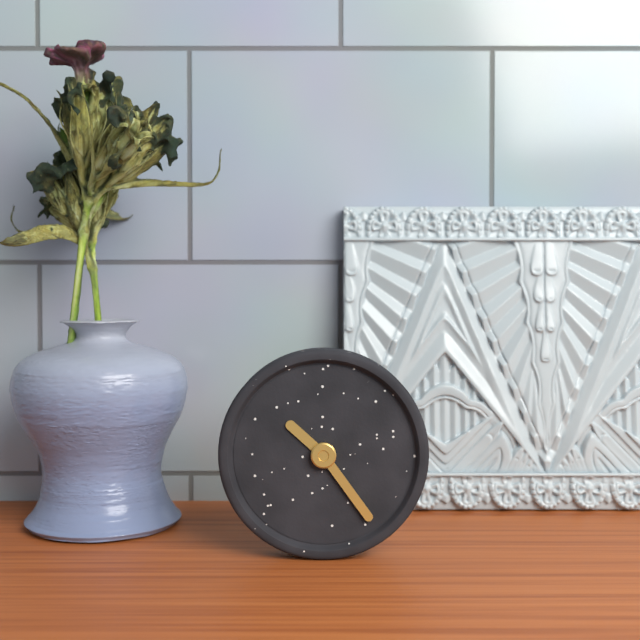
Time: **10:24**
